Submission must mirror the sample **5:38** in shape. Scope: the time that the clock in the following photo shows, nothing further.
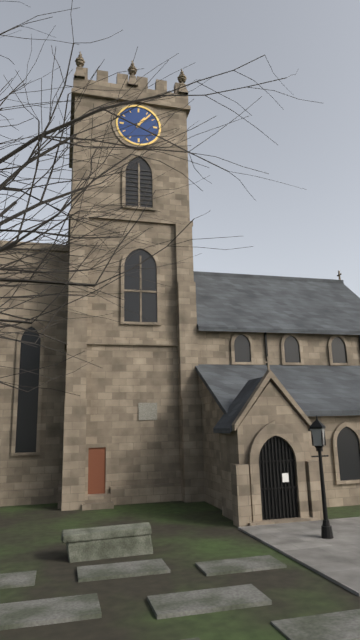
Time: **1:07**
